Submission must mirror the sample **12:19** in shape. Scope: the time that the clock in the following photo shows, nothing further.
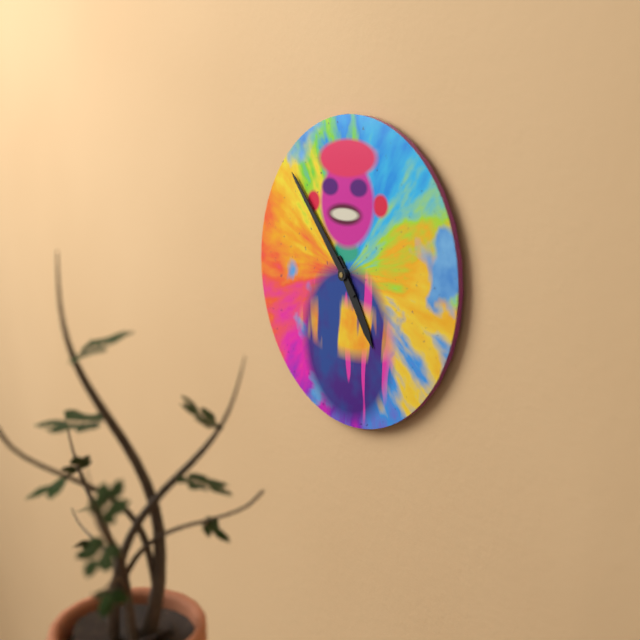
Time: **4:53**
